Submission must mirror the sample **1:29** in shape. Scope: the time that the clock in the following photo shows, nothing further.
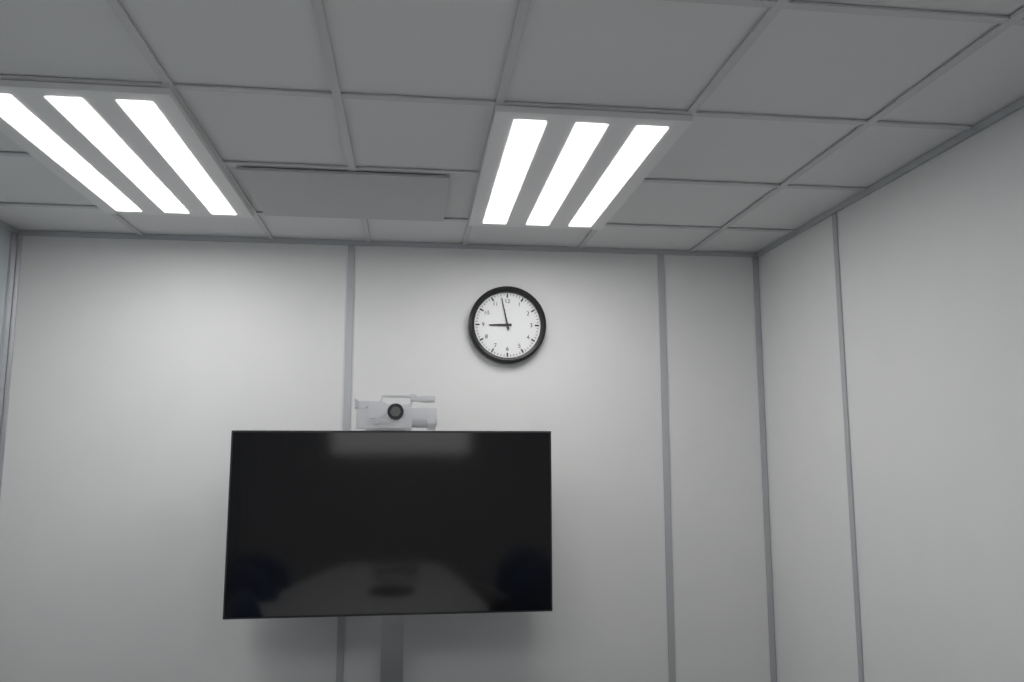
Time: **8:58**
